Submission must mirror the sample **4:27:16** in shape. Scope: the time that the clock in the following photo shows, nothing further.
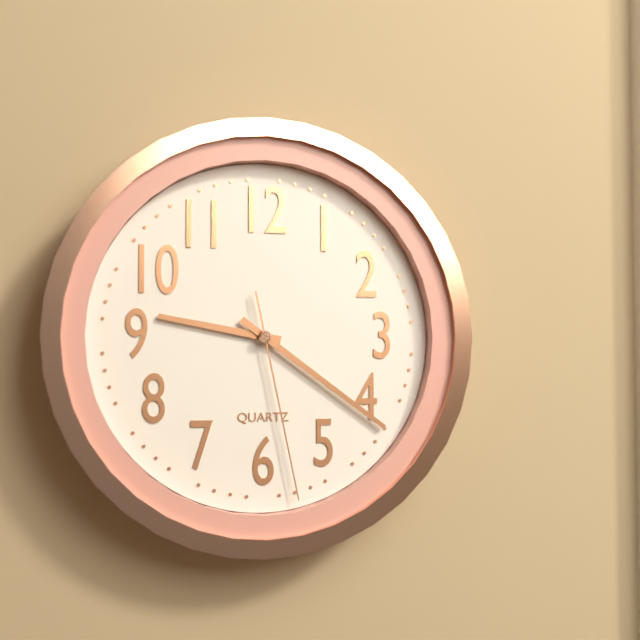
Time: **9:21:28**
